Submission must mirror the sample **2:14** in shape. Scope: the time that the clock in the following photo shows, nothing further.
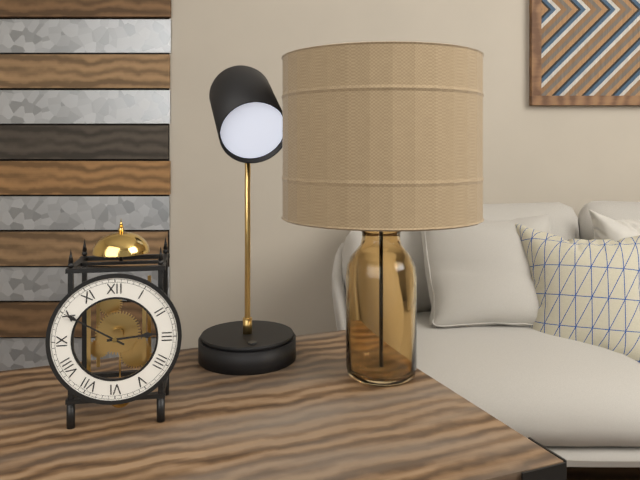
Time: **2:50**
